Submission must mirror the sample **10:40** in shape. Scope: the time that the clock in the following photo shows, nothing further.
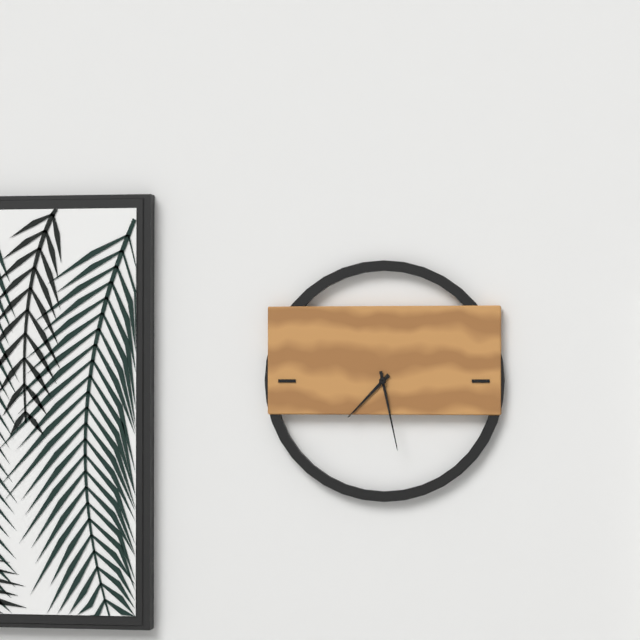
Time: **7:28**
